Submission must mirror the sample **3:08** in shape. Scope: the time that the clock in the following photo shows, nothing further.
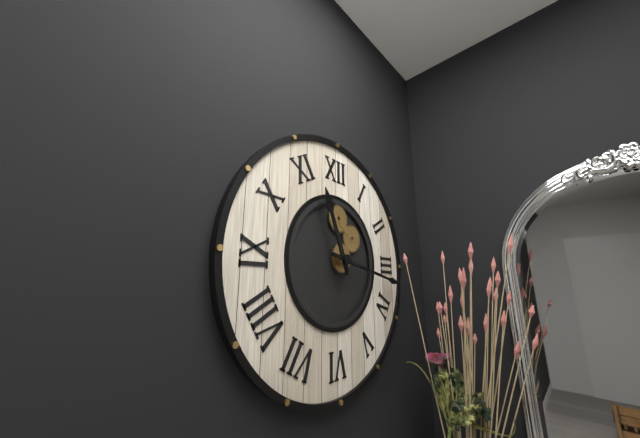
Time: **11:17**
